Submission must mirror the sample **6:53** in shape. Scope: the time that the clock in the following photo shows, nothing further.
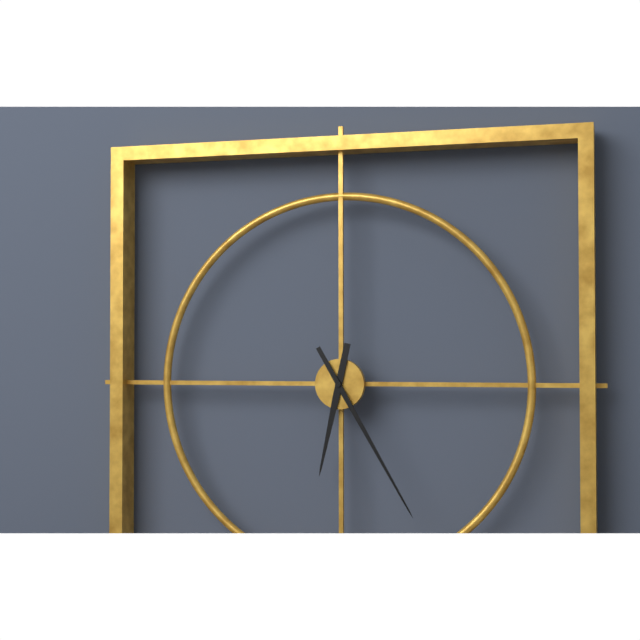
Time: **6:25**
